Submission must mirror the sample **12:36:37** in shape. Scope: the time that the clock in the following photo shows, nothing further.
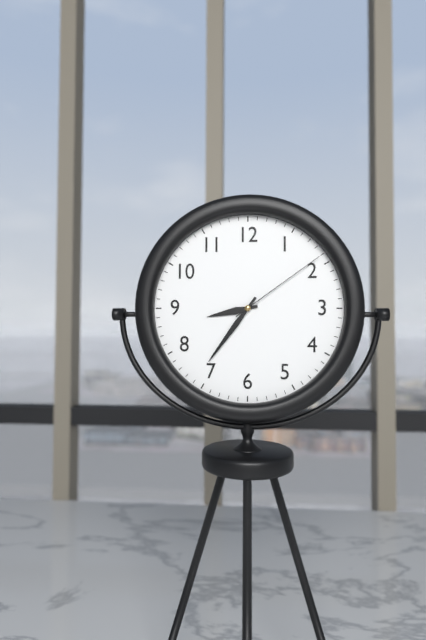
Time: **8:36:09**
